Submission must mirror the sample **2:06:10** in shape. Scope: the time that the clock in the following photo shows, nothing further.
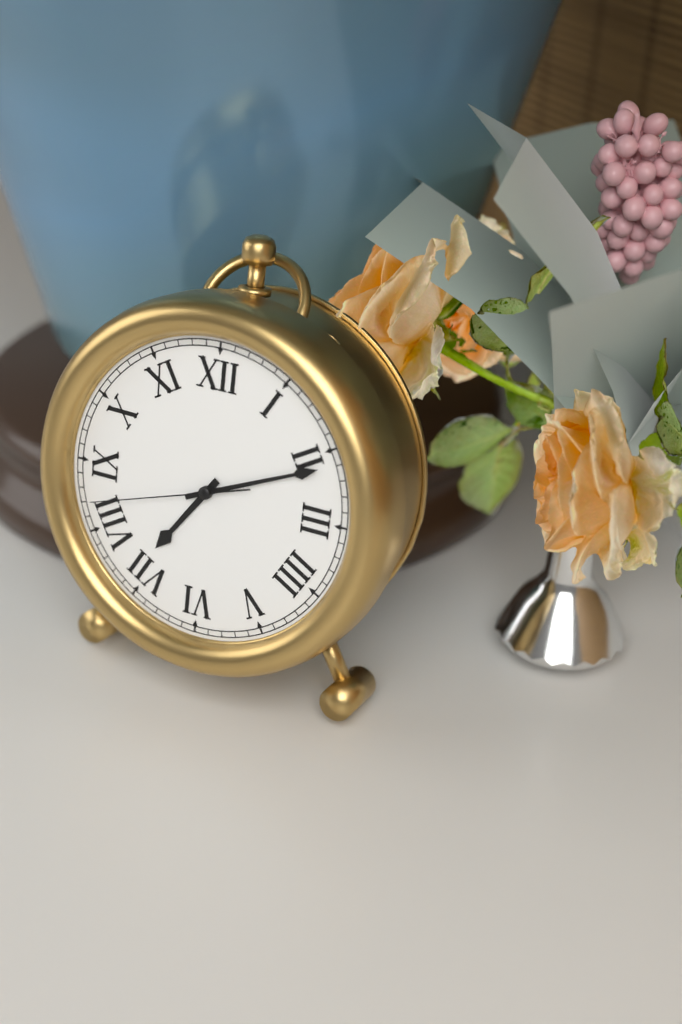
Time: **7:11:42**
